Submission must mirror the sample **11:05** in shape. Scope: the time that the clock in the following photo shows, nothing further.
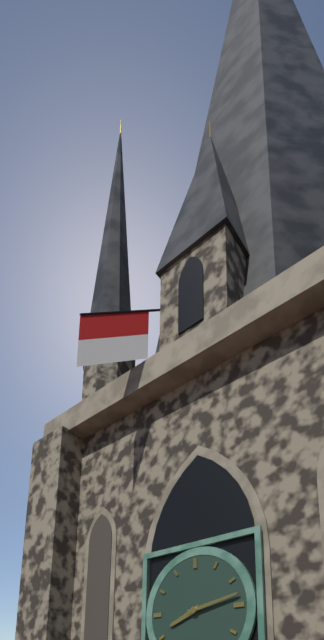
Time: **8:13**
